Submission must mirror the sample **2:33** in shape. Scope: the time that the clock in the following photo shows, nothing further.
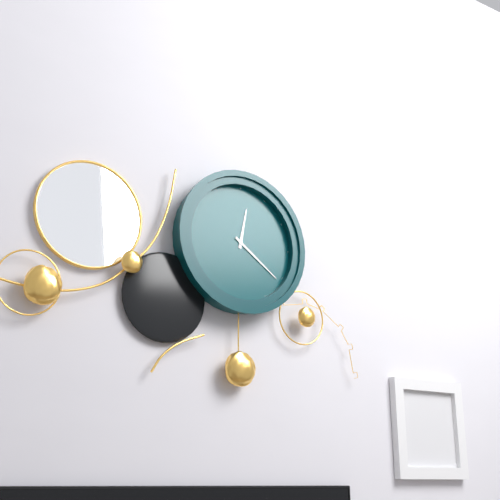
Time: **12:21**
